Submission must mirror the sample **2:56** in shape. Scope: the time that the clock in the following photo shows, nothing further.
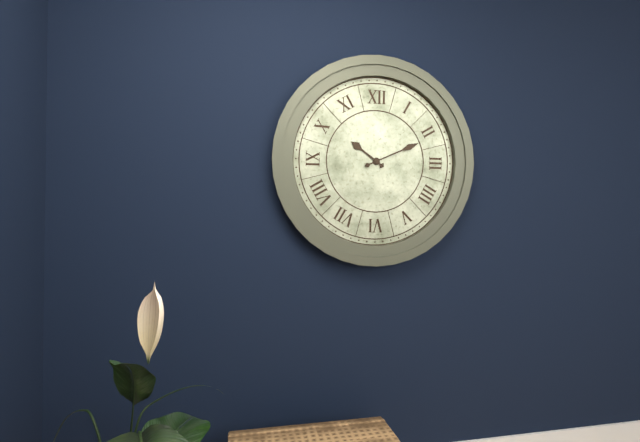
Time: **10:11**
